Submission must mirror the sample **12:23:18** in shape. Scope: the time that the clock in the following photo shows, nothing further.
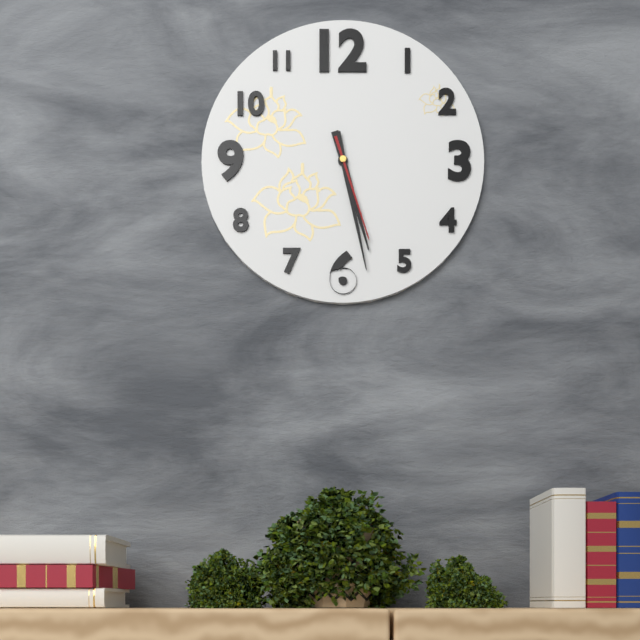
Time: **5:28:27**
